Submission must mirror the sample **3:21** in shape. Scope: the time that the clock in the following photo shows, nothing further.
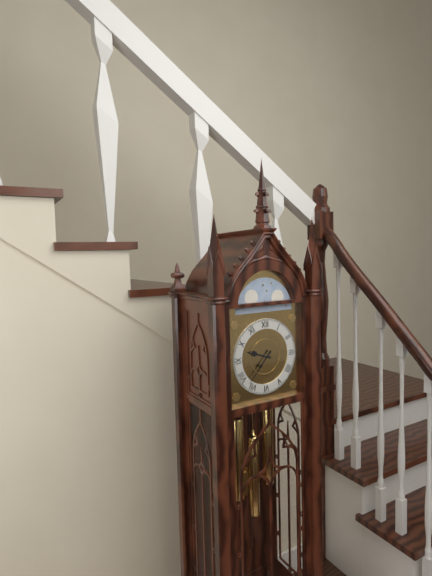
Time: **9:37**
